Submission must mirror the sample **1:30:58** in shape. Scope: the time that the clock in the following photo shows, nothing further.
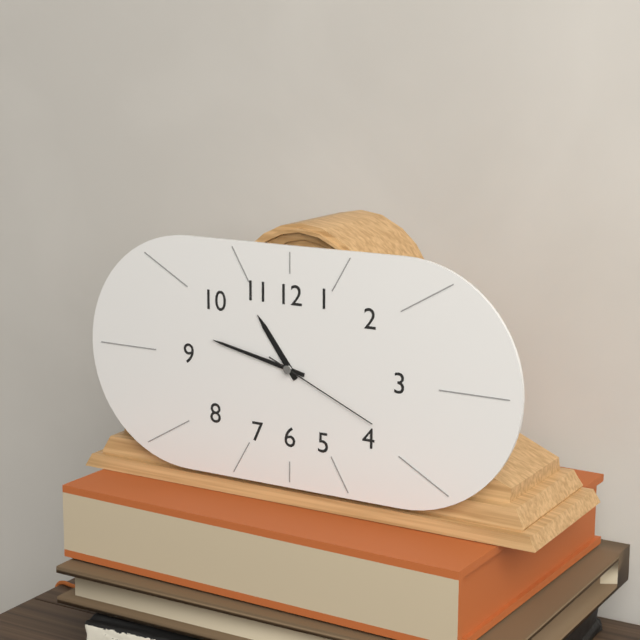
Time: **10:47:19**
